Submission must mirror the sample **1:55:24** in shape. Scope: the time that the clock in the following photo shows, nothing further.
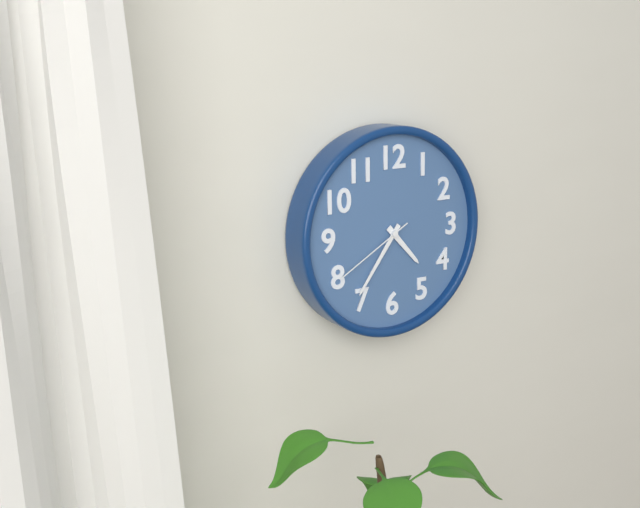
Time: **4:36:40**
